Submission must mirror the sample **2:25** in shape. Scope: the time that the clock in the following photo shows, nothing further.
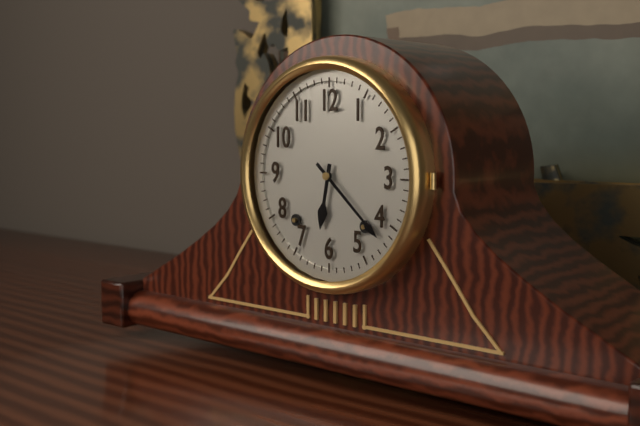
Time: **6:22**
